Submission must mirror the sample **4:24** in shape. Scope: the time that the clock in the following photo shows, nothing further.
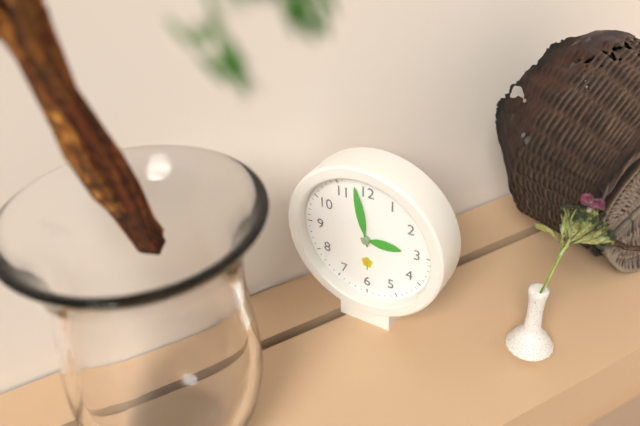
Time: **2:58**
